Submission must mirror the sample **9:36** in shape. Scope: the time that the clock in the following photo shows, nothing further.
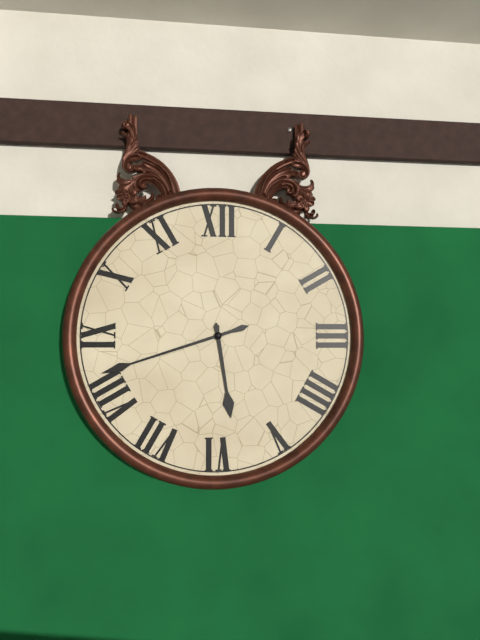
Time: **5:42**
